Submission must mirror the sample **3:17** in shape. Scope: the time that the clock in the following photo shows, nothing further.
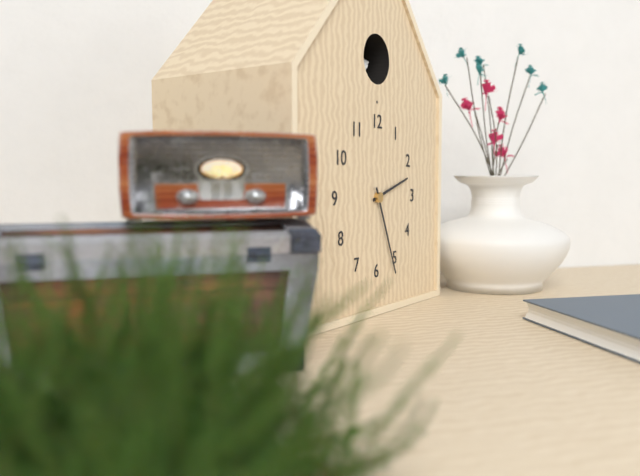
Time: **2:26**
